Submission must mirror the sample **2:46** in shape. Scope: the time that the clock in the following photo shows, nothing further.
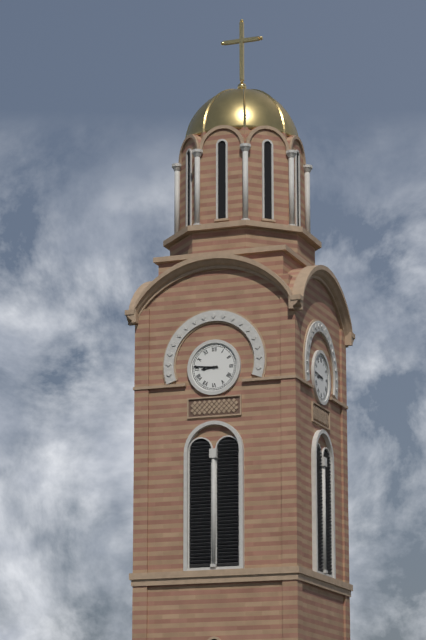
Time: **8:46**
